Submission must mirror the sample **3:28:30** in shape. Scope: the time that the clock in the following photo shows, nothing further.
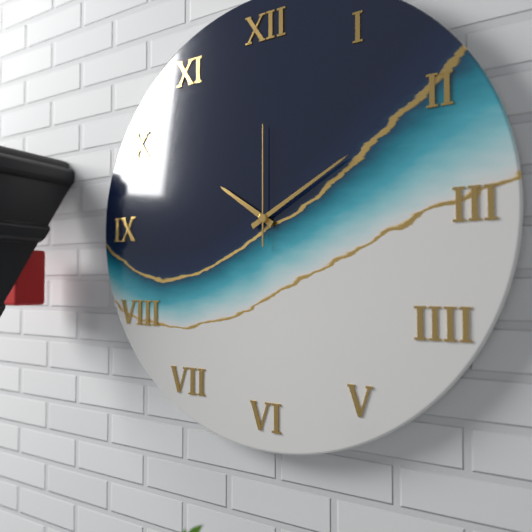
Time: **10:10:00**
